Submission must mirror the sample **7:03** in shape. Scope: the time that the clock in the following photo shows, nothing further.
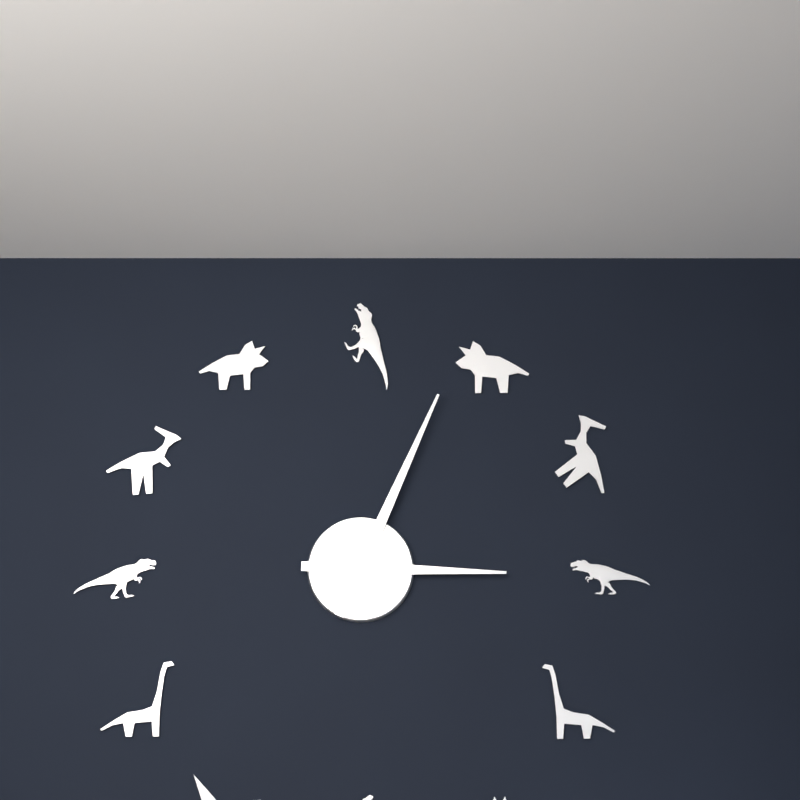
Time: **3:04**
